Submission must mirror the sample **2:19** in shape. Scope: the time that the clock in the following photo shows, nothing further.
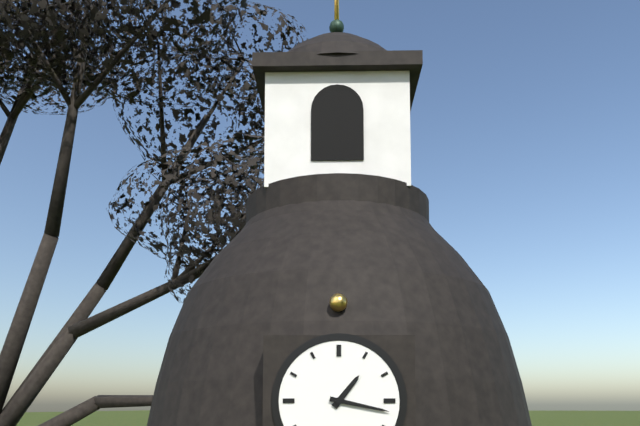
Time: **1:17**
